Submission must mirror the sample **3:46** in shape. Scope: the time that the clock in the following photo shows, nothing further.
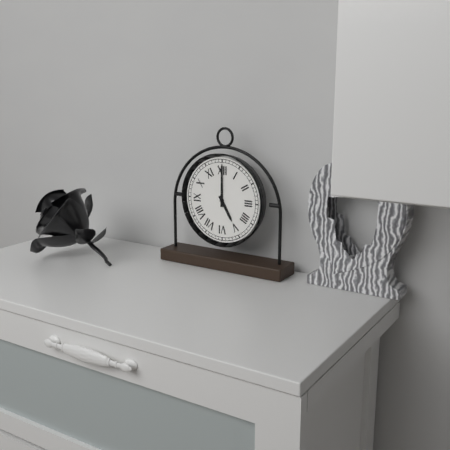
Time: **5:00**
